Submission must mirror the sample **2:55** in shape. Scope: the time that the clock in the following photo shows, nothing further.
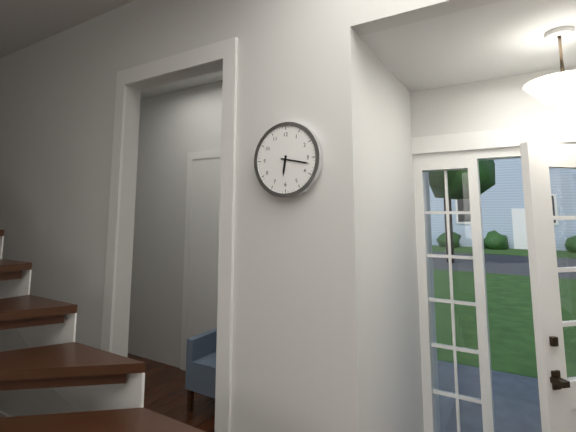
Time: **6:17**
